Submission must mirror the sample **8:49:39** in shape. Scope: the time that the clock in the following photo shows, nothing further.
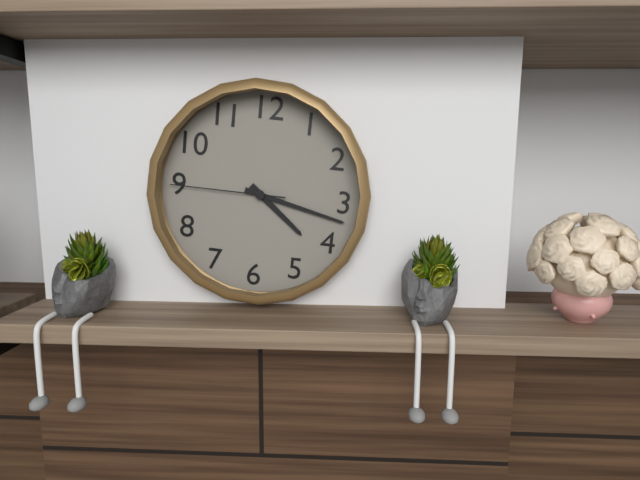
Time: **4:17:45**
